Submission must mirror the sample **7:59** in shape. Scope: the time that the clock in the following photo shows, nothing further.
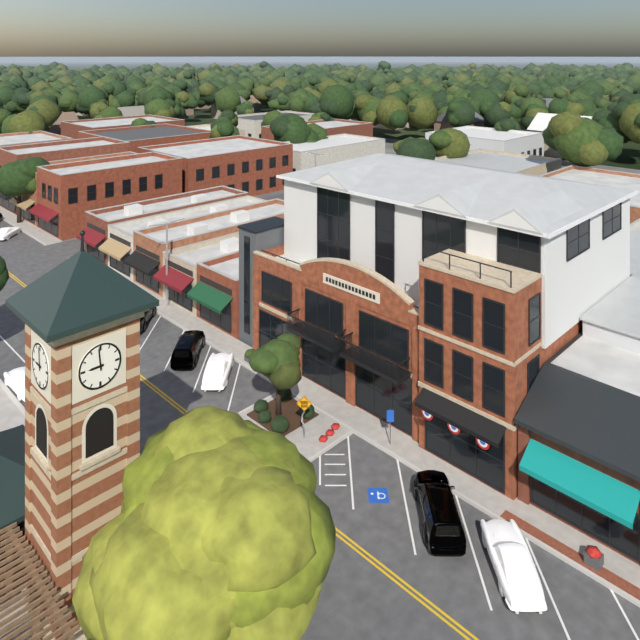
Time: **8:59**
